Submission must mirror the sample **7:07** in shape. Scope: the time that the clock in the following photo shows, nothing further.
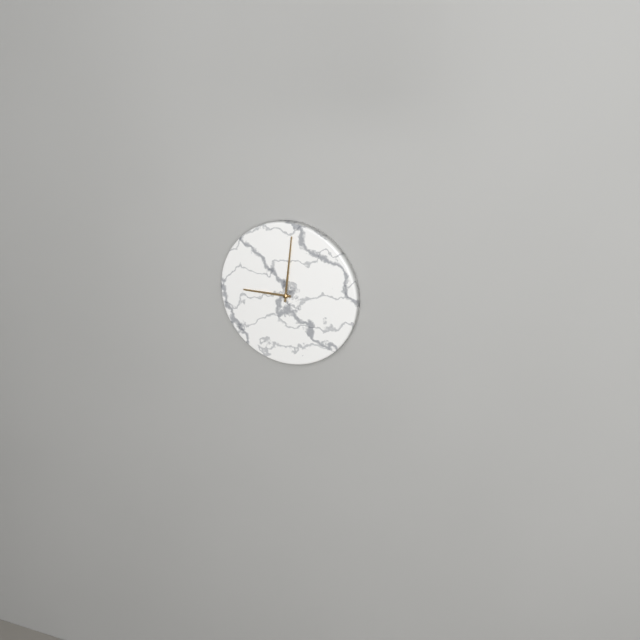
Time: **9:01**
